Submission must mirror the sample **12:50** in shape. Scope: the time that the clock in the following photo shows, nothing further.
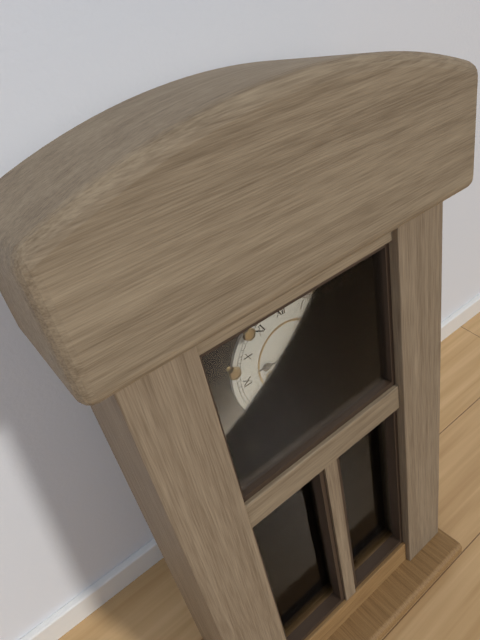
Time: **9:15**
